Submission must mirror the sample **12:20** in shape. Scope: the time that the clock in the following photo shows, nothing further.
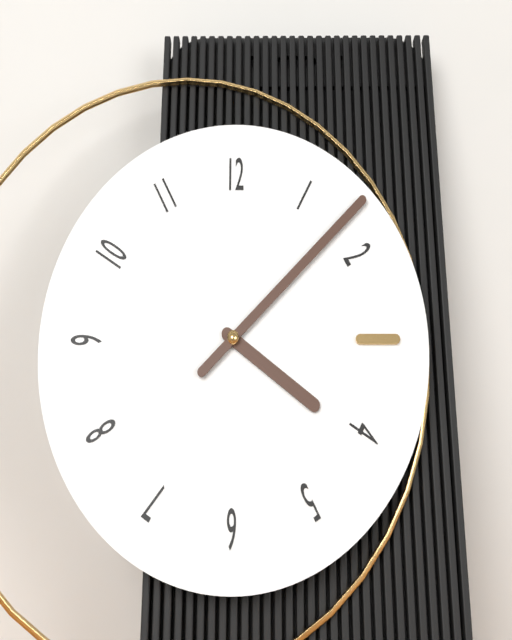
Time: **4:08**
